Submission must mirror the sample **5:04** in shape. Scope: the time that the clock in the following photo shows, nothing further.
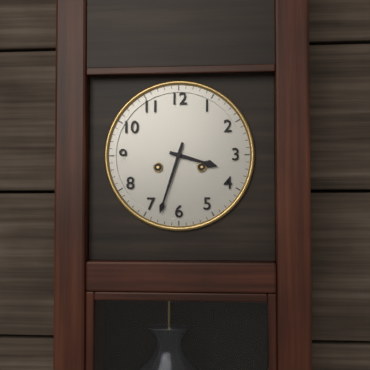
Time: **3:33**
